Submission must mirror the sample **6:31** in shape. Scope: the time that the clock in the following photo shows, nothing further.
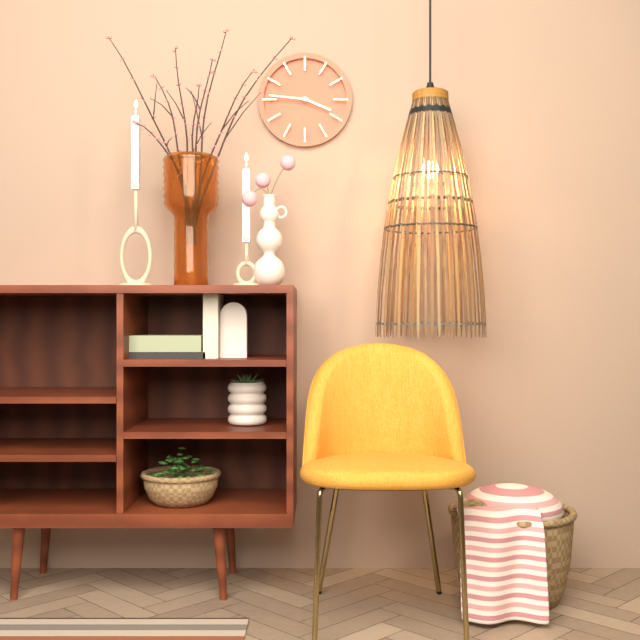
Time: **3:46**
